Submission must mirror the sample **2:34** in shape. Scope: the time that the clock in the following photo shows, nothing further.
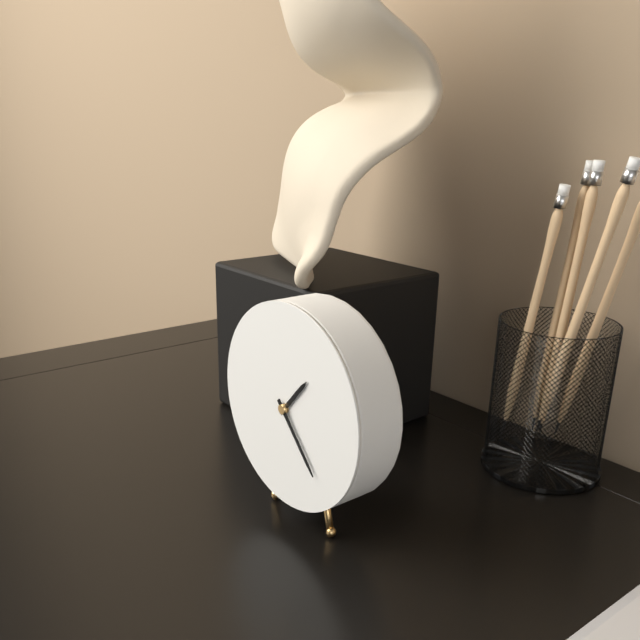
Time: **1:23**
